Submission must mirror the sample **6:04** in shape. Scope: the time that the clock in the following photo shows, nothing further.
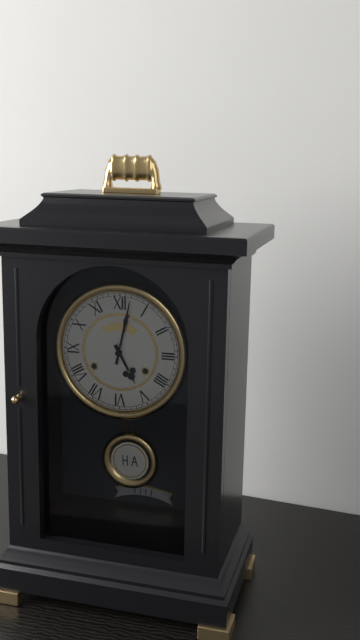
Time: **5:02**
